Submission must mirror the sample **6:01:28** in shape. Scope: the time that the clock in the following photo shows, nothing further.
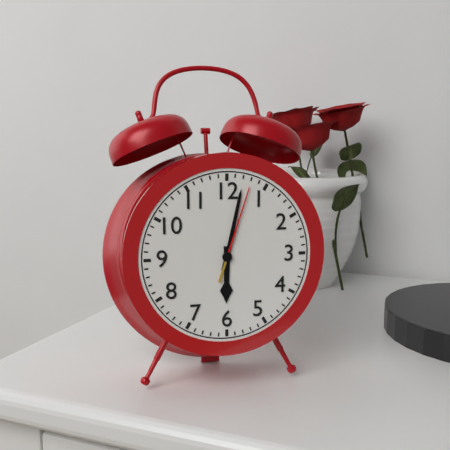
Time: **6:02:03**
